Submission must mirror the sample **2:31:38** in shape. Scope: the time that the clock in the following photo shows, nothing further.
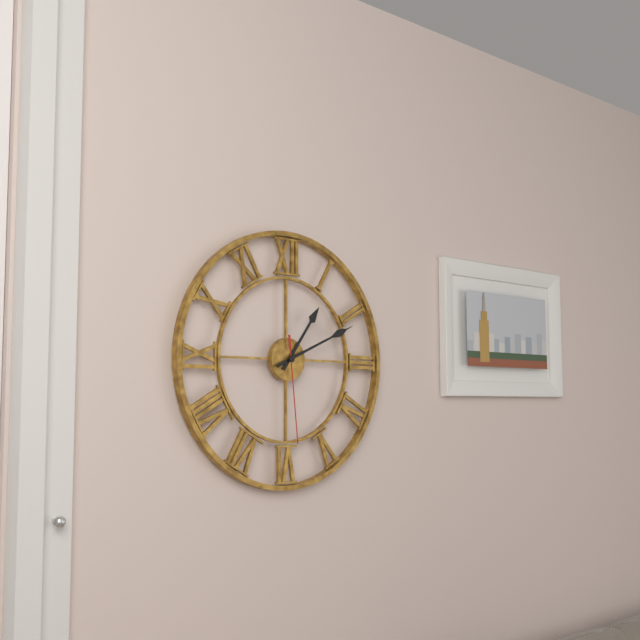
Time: **1:11:29**
